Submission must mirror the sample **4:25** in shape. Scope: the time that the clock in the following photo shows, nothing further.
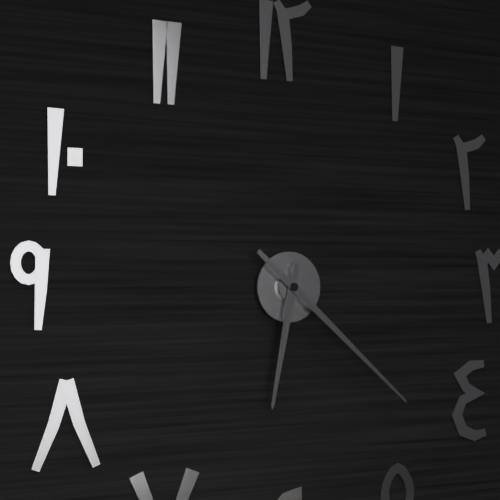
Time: **6:22**
